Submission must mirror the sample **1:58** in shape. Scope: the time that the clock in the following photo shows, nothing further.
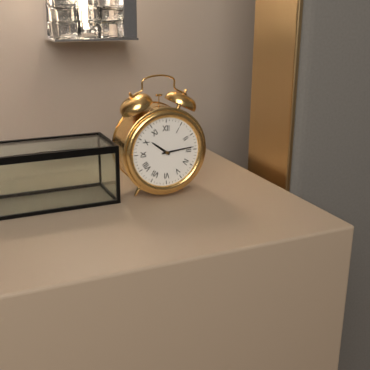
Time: **10:14**
